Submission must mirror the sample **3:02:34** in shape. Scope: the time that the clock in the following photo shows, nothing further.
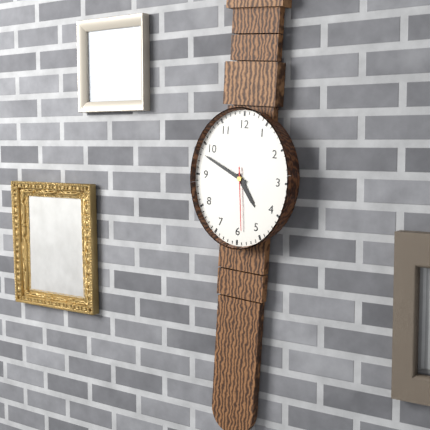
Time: **4:49:29**
